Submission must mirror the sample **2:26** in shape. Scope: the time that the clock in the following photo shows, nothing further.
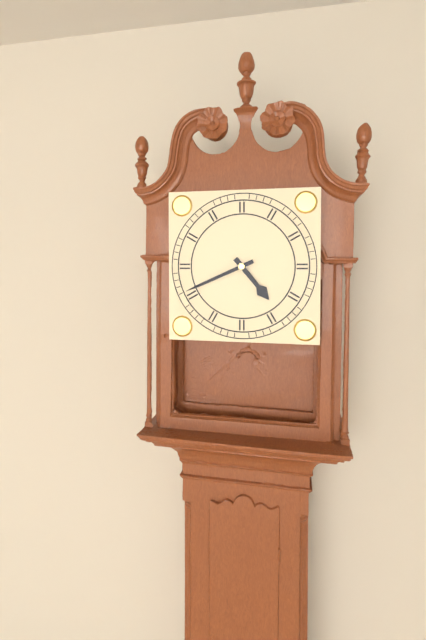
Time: **4:41**
